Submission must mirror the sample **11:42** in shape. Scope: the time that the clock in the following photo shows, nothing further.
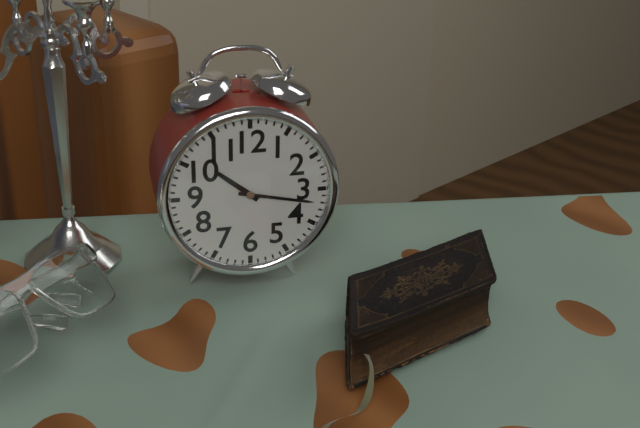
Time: **10:17**
